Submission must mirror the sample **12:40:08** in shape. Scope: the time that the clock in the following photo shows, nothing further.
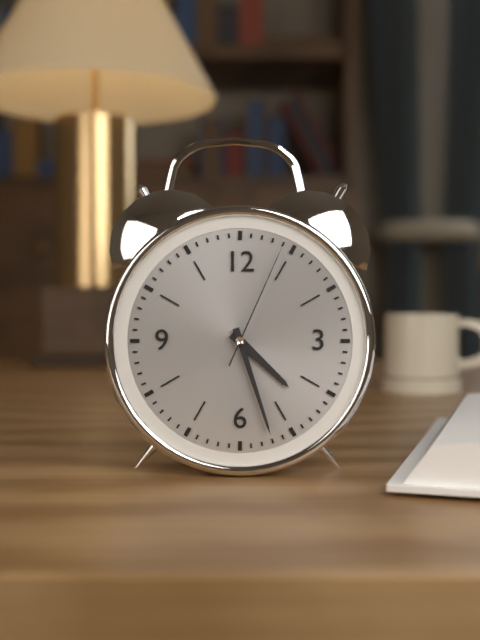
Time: **4:27:04**
